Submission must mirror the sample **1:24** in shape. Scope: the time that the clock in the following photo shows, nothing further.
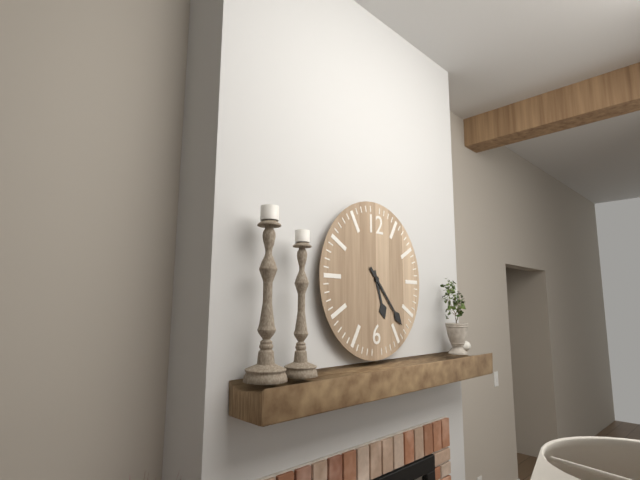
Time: **5:23**
